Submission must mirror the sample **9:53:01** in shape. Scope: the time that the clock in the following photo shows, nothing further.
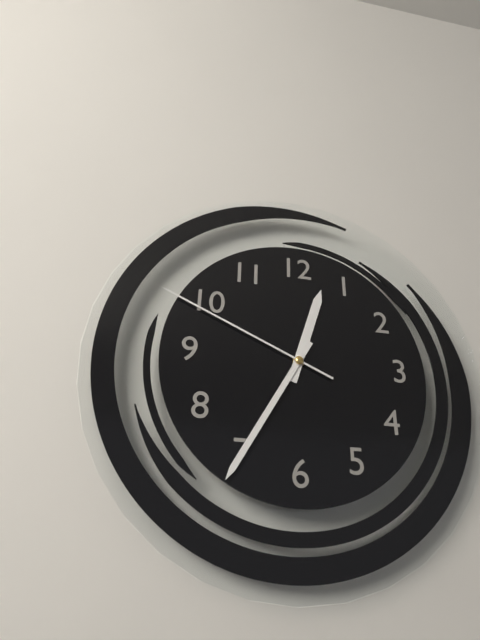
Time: **12:35:49**
